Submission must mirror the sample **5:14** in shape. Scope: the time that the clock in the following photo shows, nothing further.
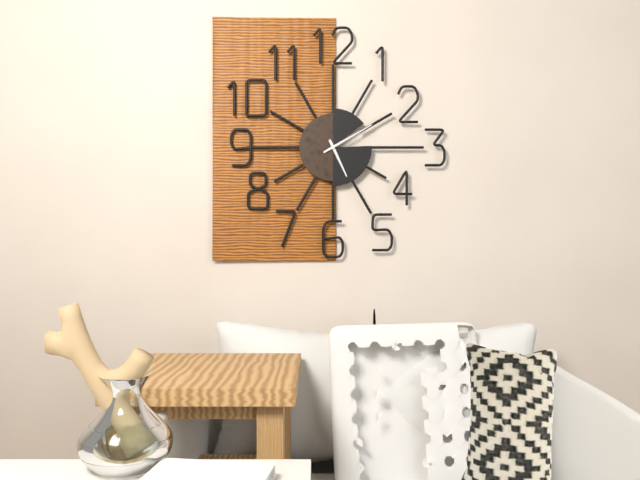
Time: **5:10**
